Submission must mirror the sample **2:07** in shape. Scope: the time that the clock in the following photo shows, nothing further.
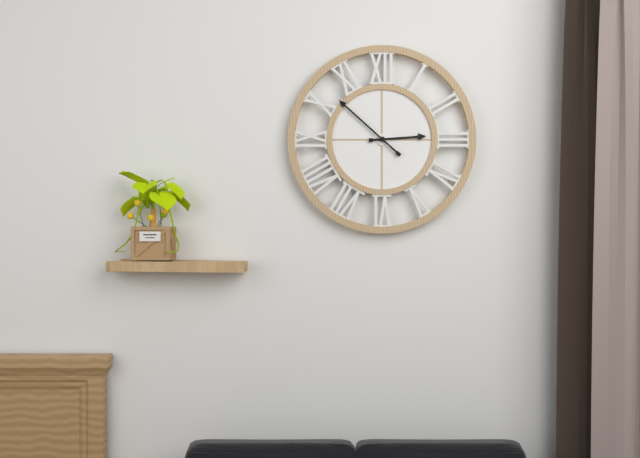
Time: **2:52**
